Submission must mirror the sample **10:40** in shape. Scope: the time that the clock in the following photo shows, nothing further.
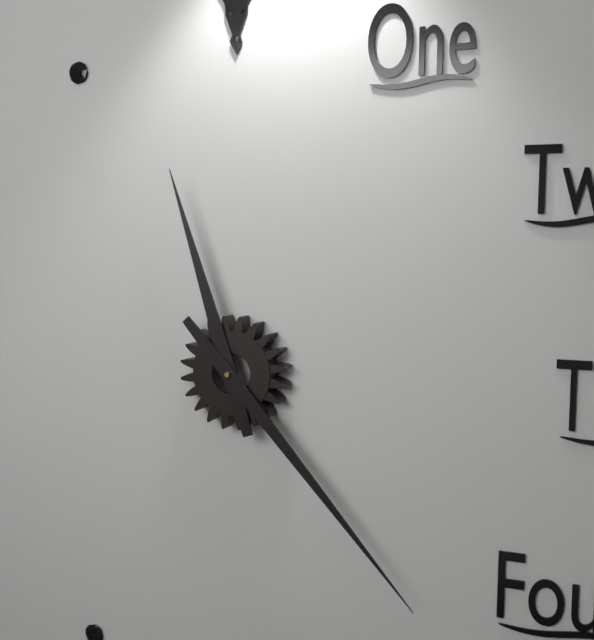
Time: **11:23**
